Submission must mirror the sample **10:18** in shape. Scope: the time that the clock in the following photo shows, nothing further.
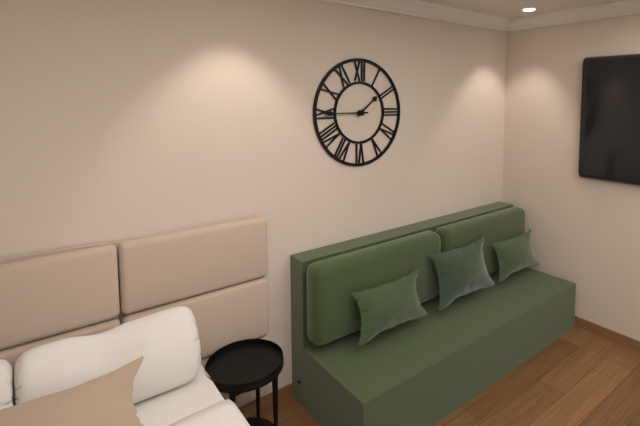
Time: **1:45**
